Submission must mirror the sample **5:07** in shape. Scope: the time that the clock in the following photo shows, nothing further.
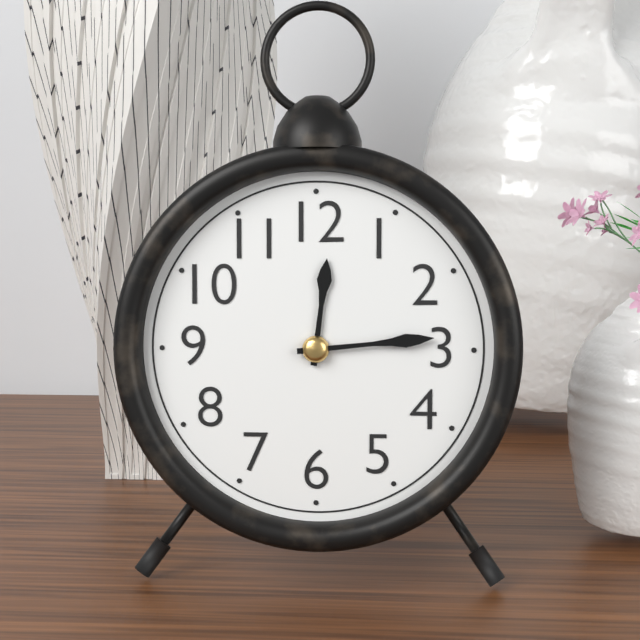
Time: **12:14**
